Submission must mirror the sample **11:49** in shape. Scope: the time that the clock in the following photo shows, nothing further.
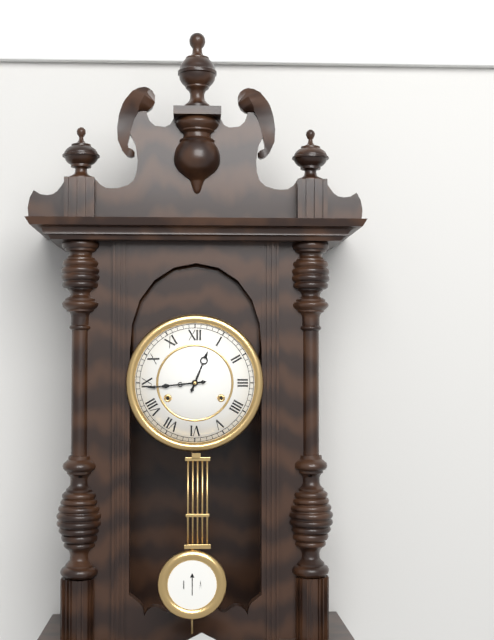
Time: **12:44**
